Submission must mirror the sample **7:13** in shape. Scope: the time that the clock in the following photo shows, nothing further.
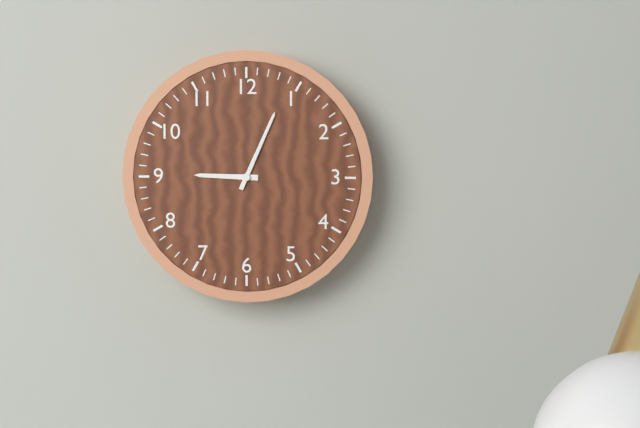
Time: **9:04**
